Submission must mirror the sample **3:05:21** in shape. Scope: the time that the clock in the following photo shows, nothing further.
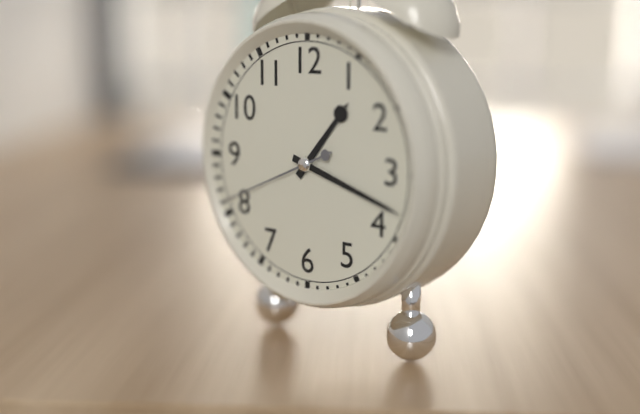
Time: **1:18:41**
